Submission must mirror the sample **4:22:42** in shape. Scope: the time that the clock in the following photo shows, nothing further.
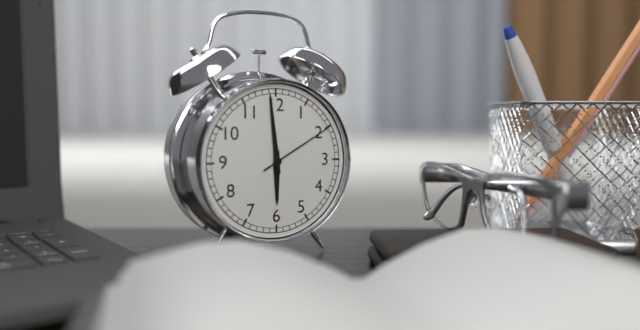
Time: **5:59:10**
